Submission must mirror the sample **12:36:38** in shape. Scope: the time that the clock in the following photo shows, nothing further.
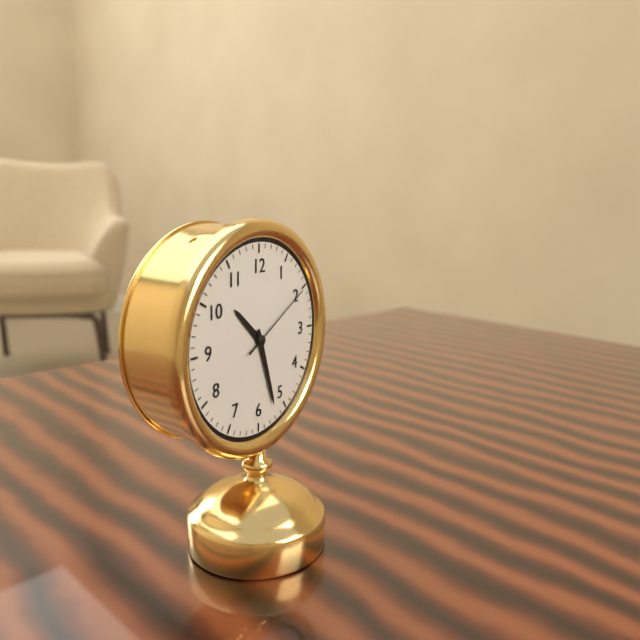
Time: **10:27:10**
